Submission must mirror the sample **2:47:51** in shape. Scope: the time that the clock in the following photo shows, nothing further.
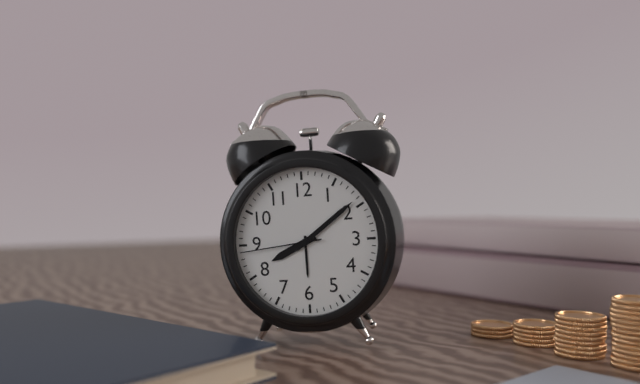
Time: **8:09:44**
